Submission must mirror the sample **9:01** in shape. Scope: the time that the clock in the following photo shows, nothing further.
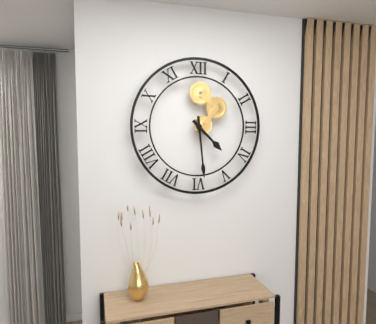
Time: **4:29**
